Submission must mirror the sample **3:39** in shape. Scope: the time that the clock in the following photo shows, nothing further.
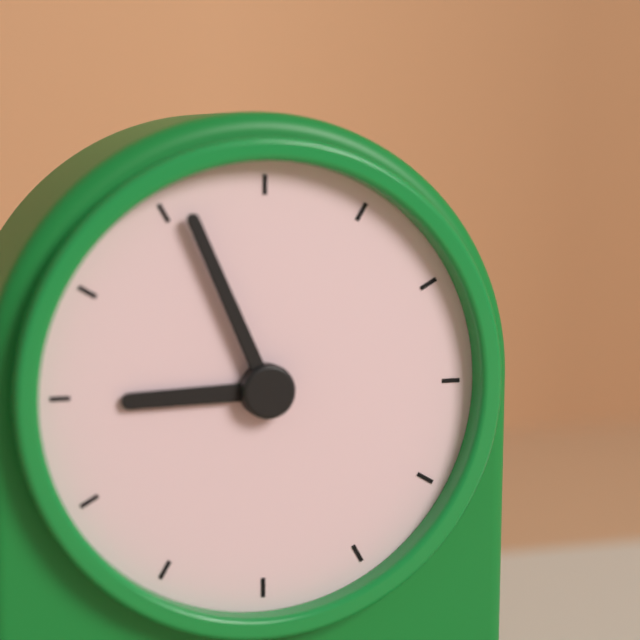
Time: **8:56**
